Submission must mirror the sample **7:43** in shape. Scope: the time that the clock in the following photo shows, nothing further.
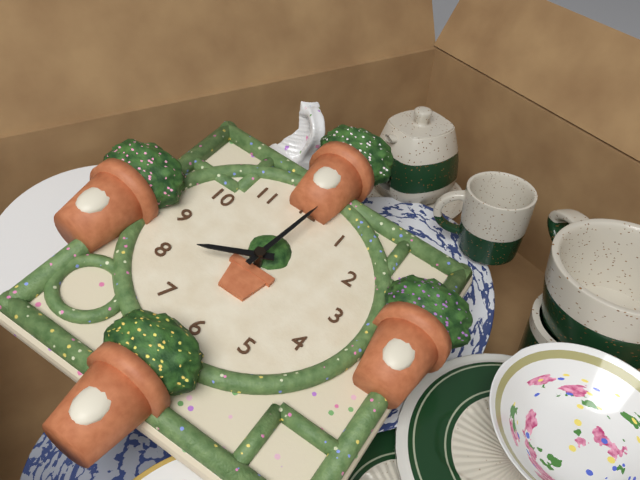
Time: **8:01**
